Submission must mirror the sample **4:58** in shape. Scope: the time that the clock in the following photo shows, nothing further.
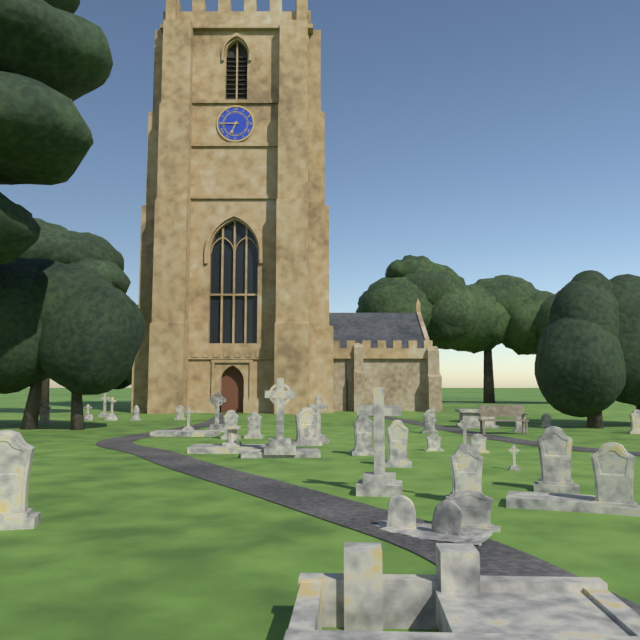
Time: **6:45**
